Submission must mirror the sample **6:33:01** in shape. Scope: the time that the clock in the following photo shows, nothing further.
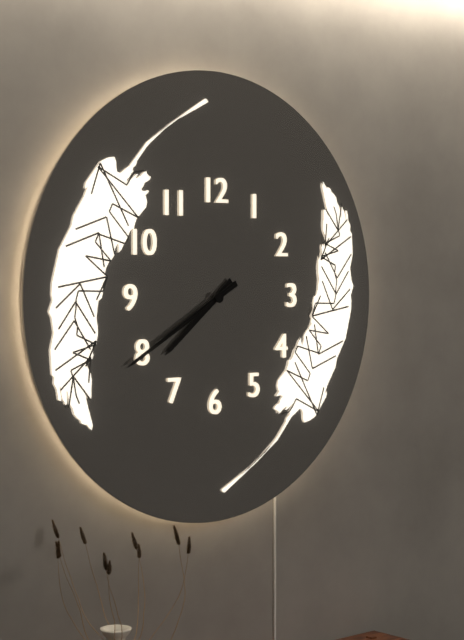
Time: **7:40:40**
